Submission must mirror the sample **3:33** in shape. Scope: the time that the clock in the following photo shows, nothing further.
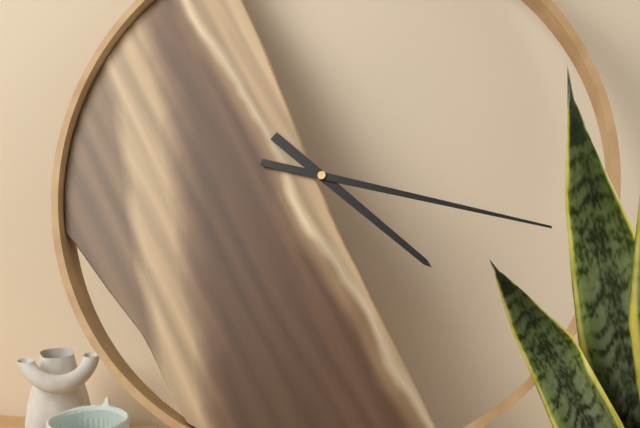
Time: **4:17**
